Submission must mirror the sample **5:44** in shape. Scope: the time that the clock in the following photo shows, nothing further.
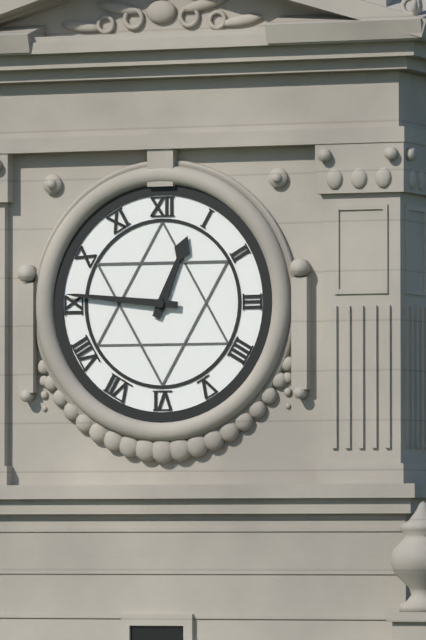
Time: **12:46**
